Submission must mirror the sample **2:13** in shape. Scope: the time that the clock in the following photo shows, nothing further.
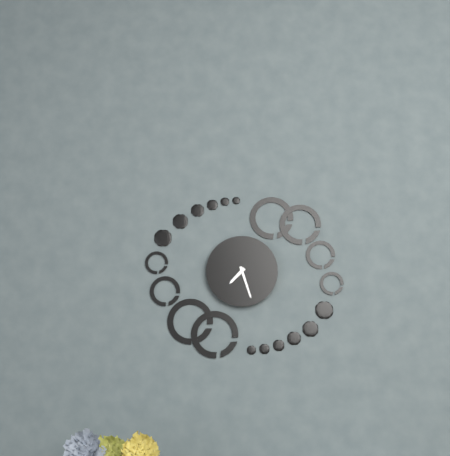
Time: **7:27**
